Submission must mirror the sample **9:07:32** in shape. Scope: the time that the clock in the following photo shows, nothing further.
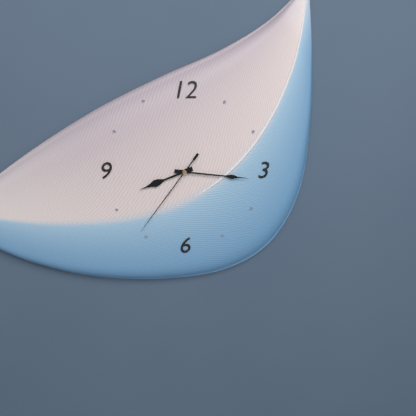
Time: **8:16:36**
